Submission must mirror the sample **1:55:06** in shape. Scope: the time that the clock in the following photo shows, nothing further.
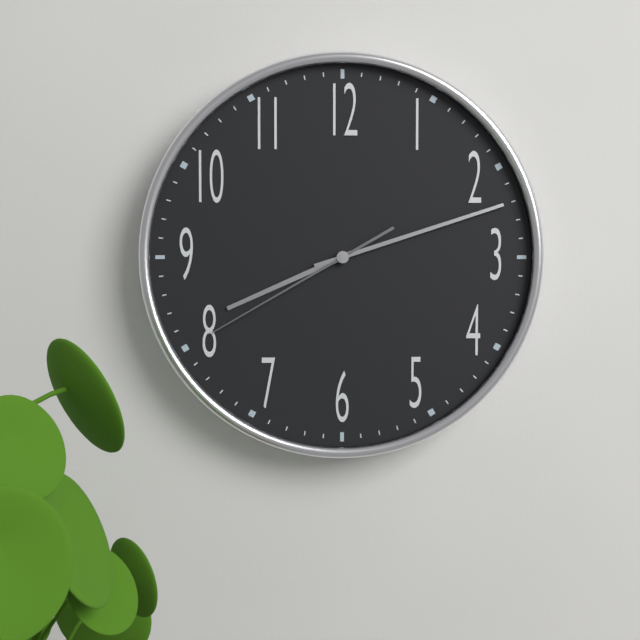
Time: **8:12:40**
